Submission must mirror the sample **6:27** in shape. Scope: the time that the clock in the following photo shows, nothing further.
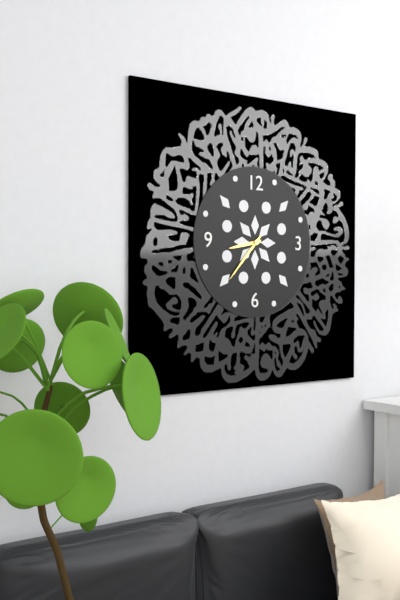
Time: **8:37**
